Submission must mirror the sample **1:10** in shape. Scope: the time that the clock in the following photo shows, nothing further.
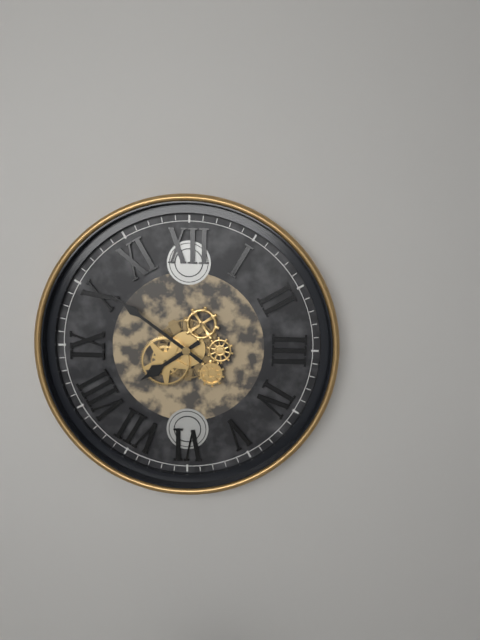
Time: **7:51**
